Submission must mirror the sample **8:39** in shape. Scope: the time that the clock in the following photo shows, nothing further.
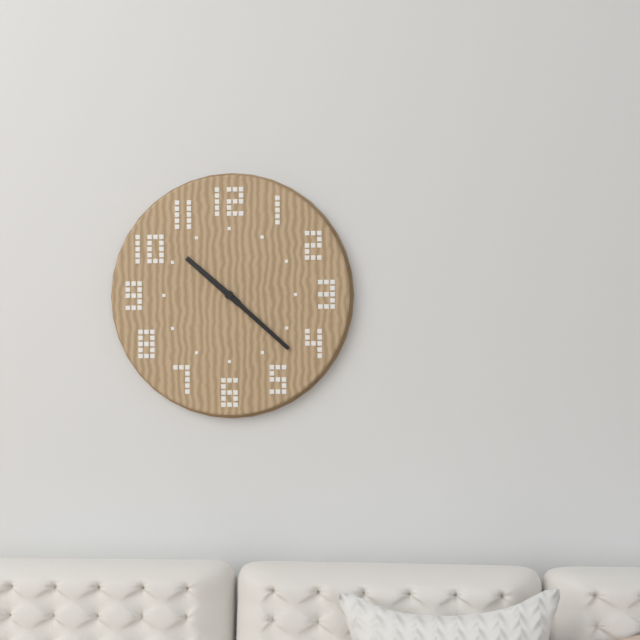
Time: **10:22**
